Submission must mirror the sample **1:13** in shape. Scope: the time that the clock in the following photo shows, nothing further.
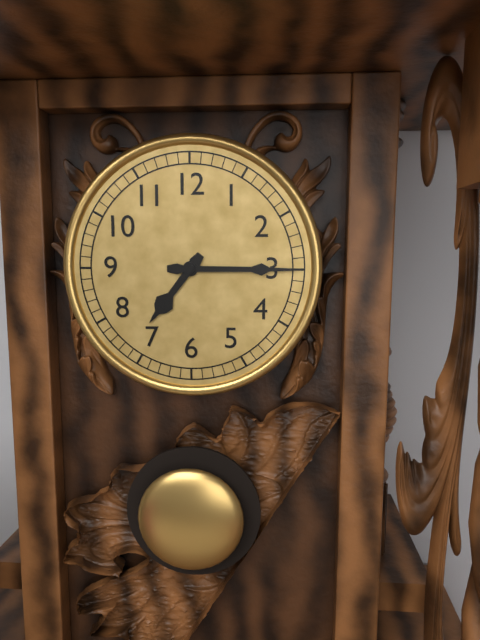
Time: **7:15**
